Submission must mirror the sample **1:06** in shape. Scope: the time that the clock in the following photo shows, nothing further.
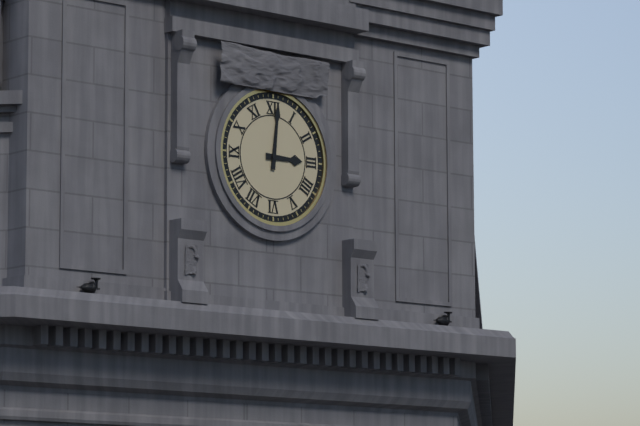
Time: **3:01**
